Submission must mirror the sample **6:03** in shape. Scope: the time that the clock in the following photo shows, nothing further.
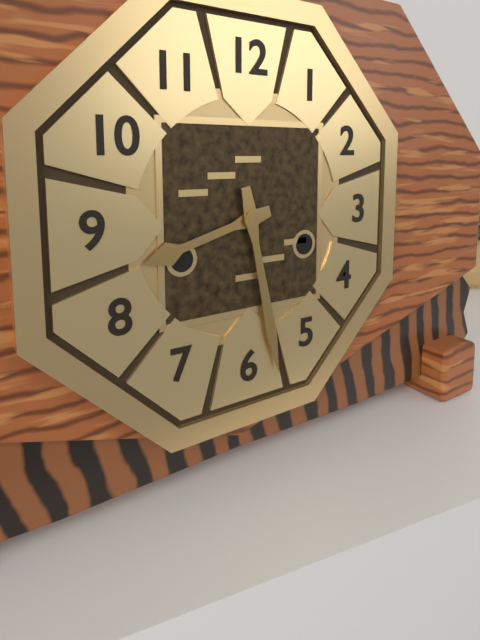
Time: **8:28**
